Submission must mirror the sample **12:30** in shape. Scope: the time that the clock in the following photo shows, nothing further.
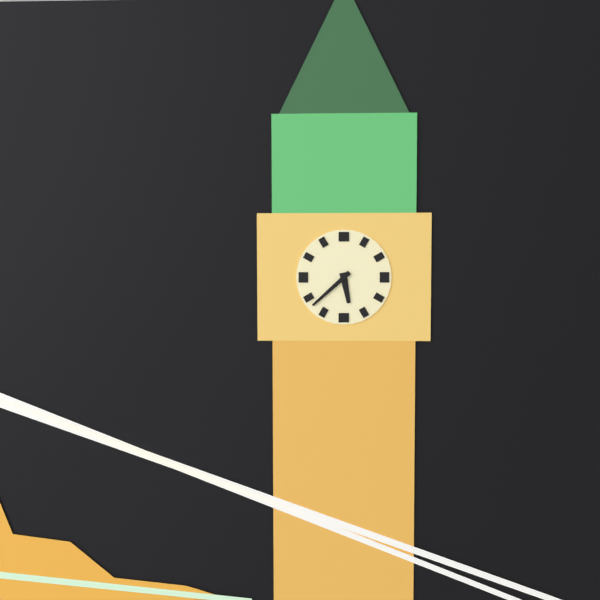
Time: **5:38**
